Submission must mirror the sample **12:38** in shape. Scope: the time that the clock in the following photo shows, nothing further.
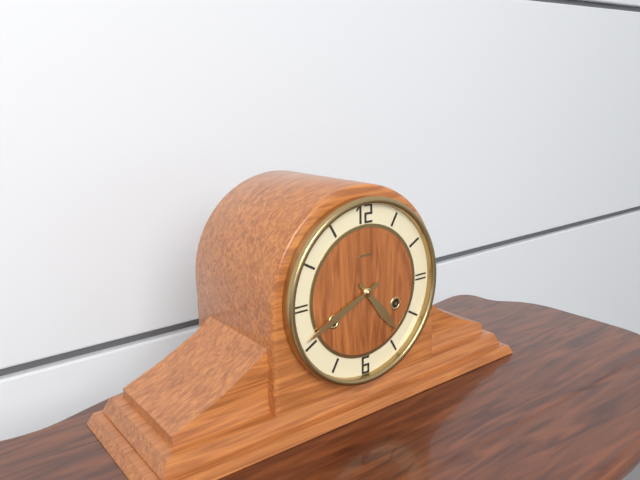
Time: **4:41**
